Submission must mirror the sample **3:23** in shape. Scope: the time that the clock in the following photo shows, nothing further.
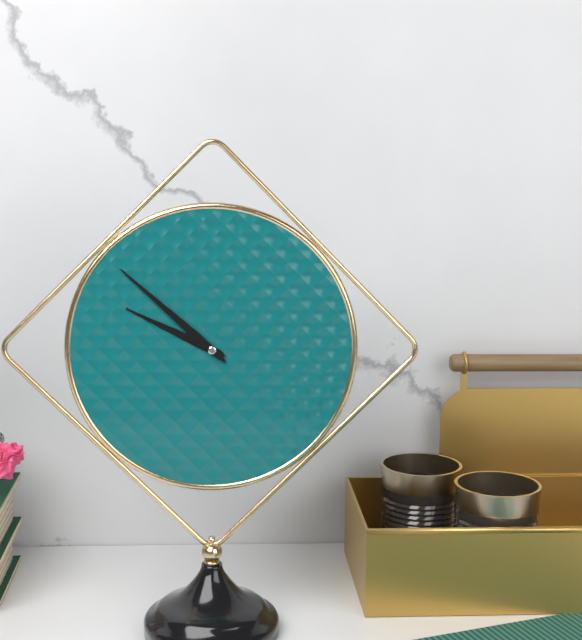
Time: **9:52**
